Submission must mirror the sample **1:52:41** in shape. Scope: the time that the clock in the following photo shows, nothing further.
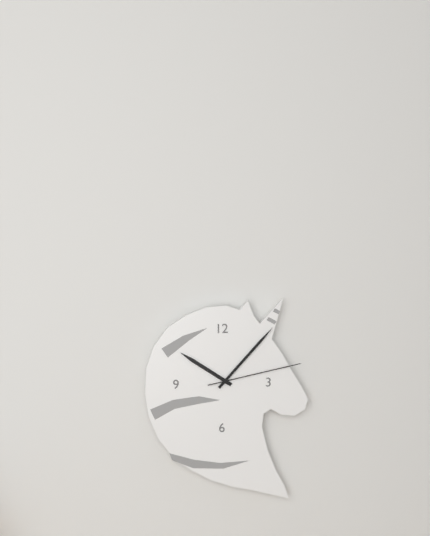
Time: **10:07:13**
